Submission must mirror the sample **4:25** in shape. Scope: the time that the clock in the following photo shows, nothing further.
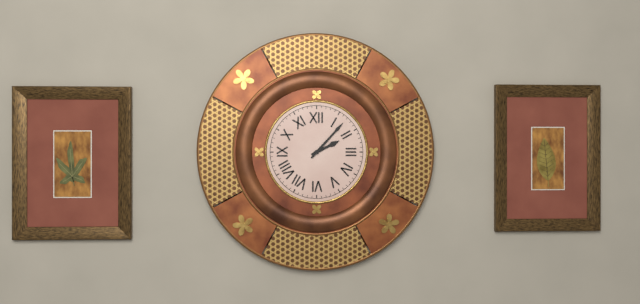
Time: **2:07**
